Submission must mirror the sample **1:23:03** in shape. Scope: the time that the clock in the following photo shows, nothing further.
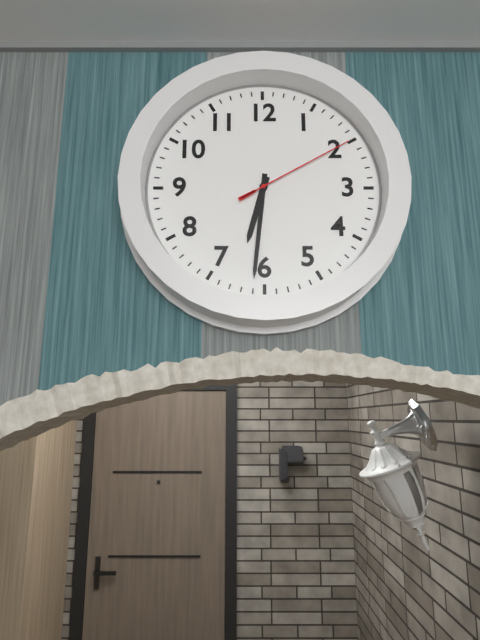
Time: **6:31:10**
